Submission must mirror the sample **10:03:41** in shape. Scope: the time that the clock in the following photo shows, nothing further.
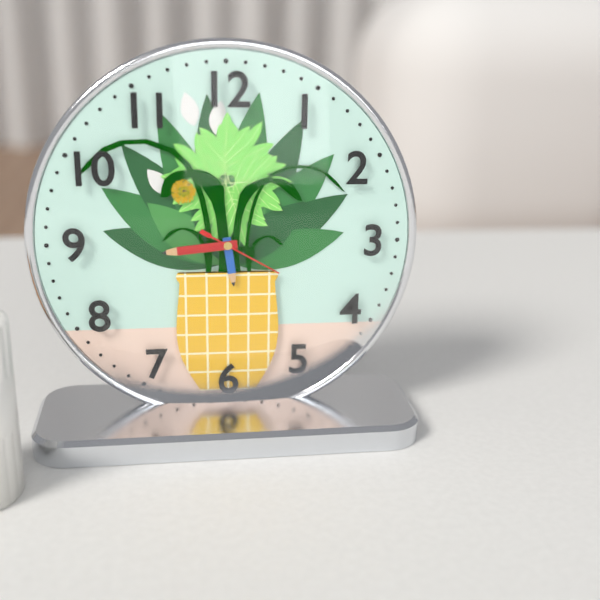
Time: **5:44:20**
